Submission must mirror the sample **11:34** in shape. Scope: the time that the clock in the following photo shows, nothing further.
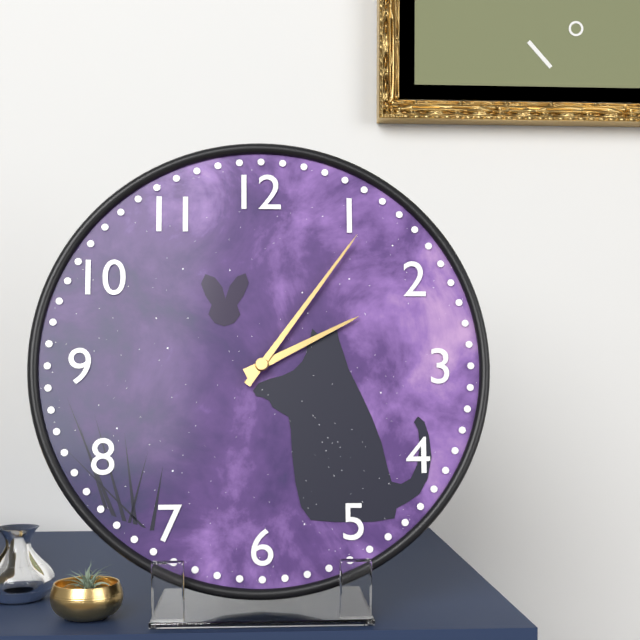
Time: **2:06**
